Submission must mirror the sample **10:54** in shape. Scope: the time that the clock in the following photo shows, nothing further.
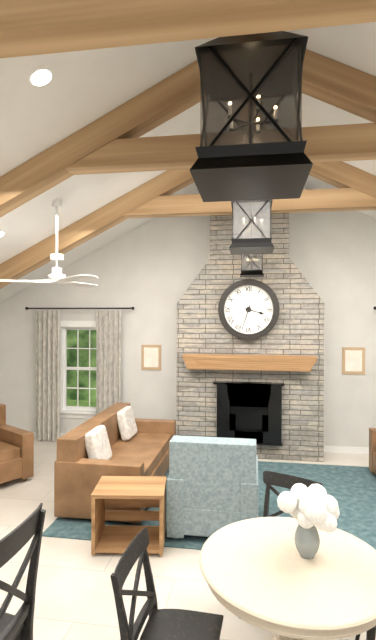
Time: **3:33**
